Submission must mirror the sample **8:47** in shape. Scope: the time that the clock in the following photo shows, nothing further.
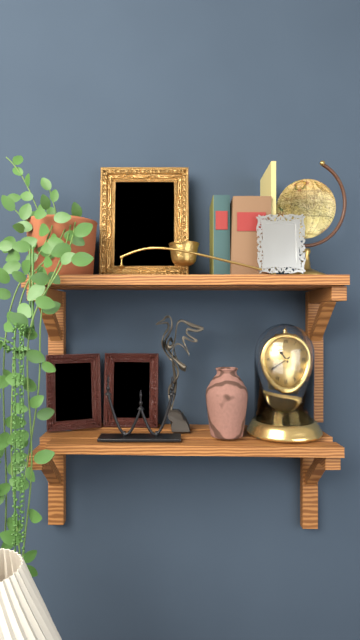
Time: **10:40**
